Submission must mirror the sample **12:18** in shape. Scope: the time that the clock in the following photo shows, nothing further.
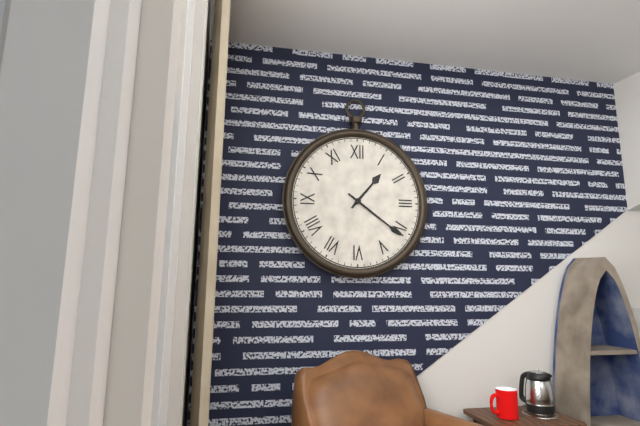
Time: **1:21**
